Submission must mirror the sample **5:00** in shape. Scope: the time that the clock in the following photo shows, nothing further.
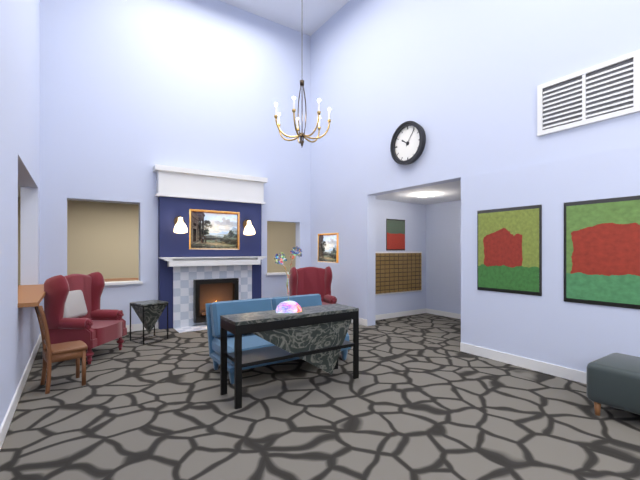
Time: **10:06**
